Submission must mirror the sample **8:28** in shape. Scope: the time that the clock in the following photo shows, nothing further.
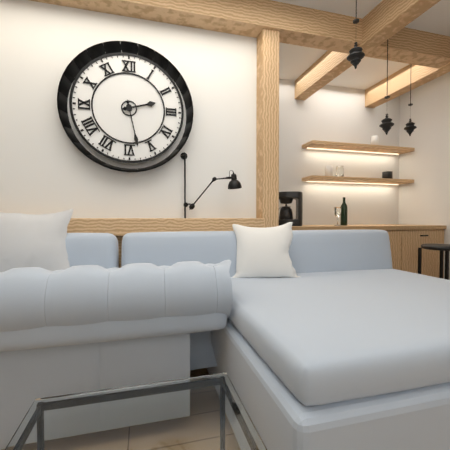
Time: **2:28**
